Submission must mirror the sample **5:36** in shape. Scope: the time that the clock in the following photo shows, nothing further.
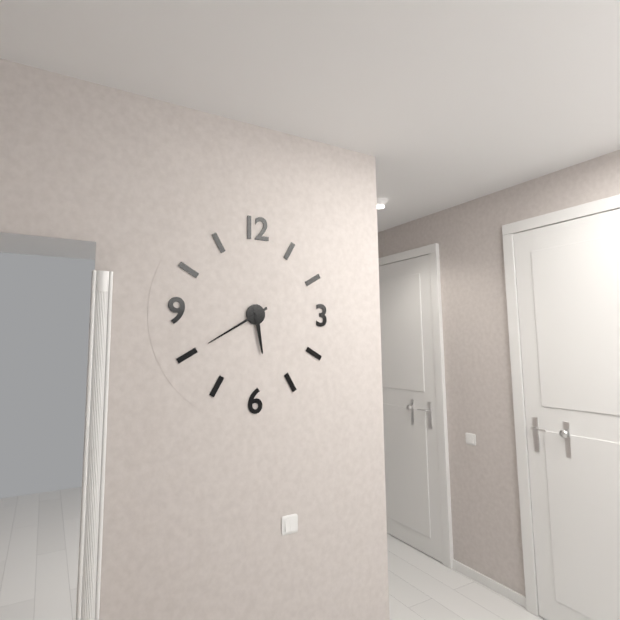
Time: **5:40**
